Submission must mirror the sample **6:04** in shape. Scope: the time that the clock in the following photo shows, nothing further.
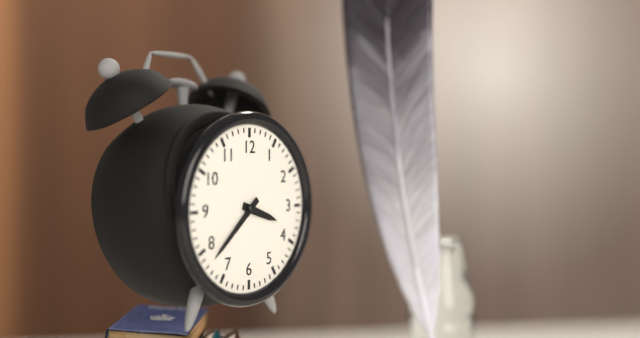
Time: **3:38**
